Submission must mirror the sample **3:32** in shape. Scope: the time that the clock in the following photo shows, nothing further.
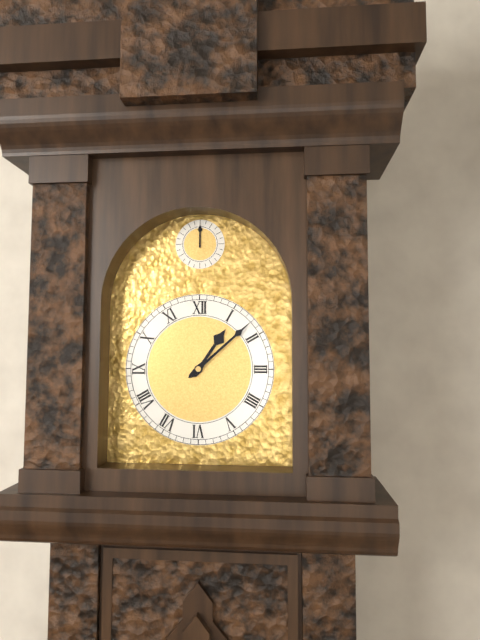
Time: **1:08**
